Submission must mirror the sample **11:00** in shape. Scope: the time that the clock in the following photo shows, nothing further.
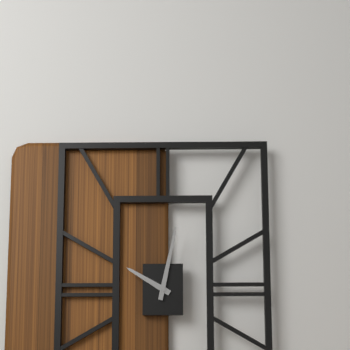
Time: **10:02**
